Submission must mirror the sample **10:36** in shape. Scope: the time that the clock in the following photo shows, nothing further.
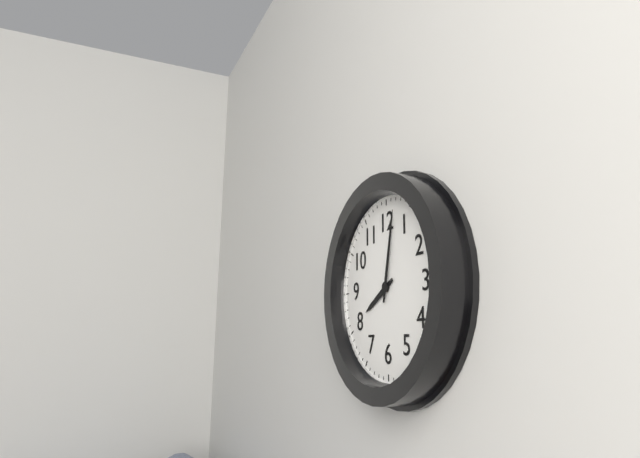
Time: **8:02**
